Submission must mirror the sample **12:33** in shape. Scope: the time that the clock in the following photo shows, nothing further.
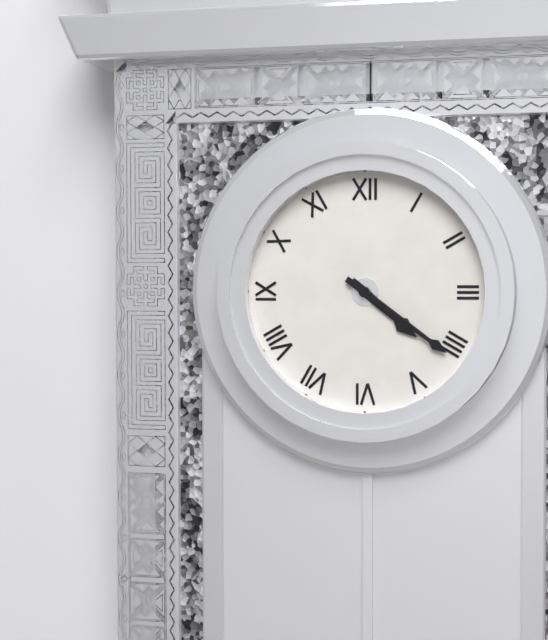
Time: **4:21**
